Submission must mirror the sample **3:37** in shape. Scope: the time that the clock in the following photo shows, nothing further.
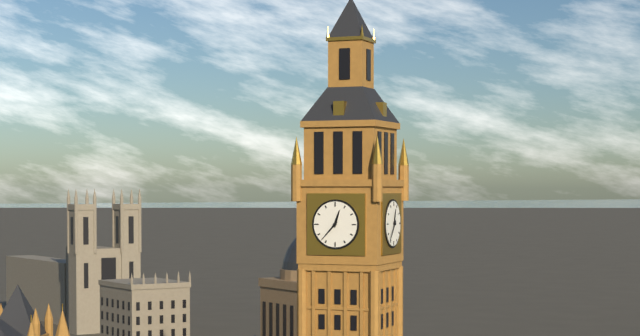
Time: **12:37**
